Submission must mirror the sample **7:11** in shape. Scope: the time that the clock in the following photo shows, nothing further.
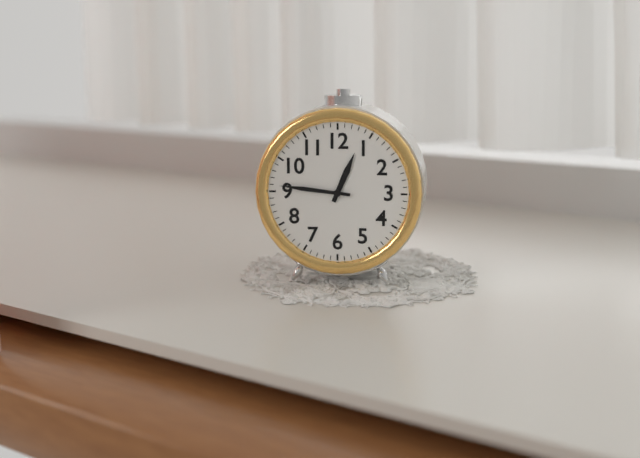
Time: **12:46**
